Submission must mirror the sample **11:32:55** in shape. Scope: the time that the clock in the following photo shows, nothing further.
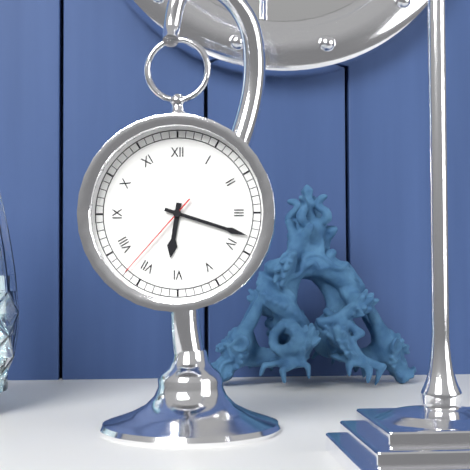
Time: **6:18:37**
